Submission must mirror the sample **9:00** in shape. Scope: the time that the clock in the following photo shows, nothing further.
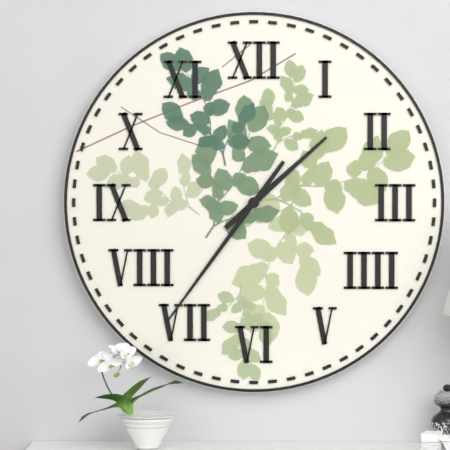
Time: **1:36**
